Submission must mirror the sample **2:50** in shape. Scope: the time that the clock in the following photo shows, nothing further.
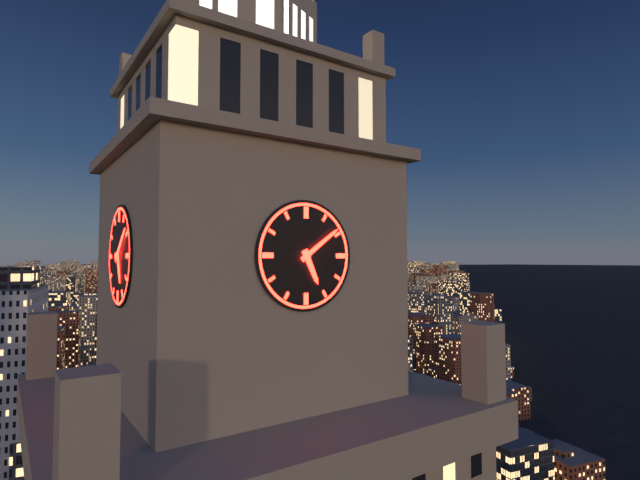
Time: **5:09**
